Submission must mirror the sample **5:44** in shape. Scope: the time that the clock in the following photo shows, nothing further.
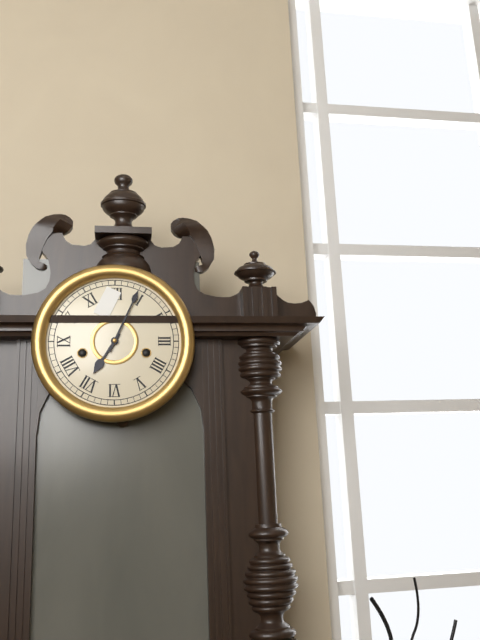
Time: **7:04**
